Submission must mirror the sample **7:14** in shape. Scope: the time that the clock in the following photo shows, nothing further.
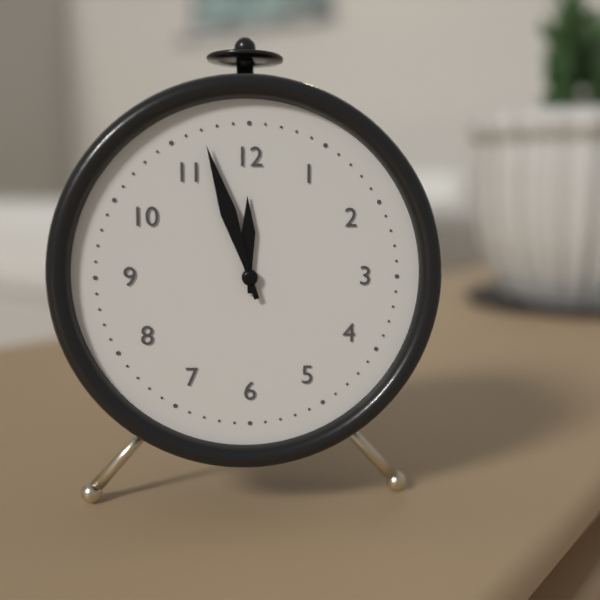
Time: **11:57**
